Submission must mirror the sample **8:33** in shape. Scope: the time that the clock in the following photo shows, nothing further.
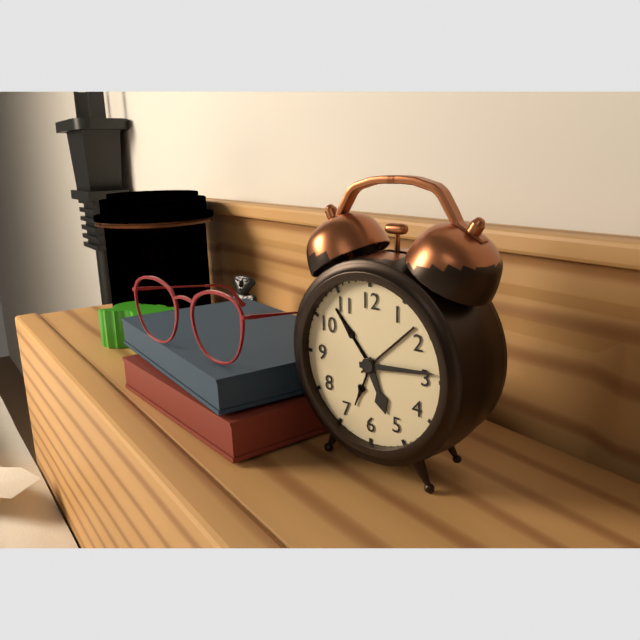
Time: **5:14**
